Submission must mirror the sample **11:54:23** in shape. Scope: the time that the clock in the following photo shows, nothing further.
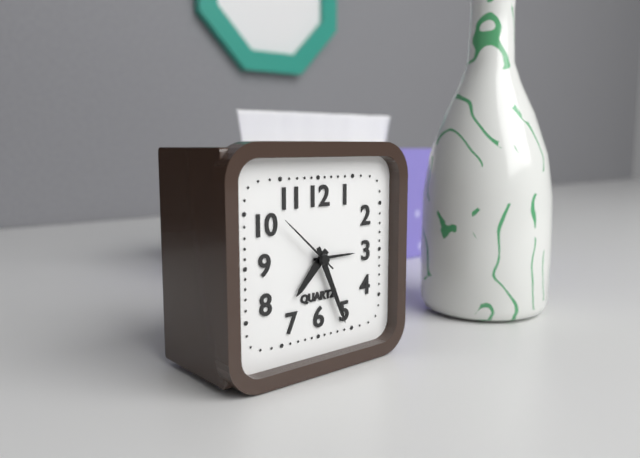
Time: **7:26:52**
